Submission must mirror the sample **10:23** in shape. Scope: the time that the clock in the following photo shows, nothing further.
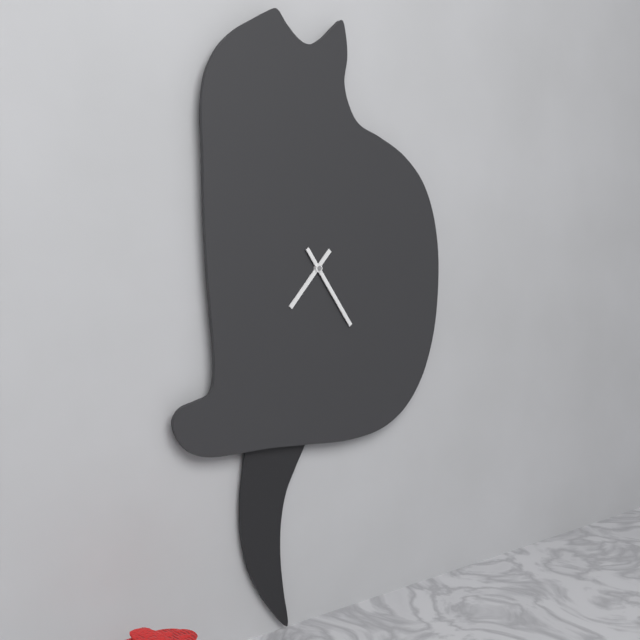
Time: **7:24**
